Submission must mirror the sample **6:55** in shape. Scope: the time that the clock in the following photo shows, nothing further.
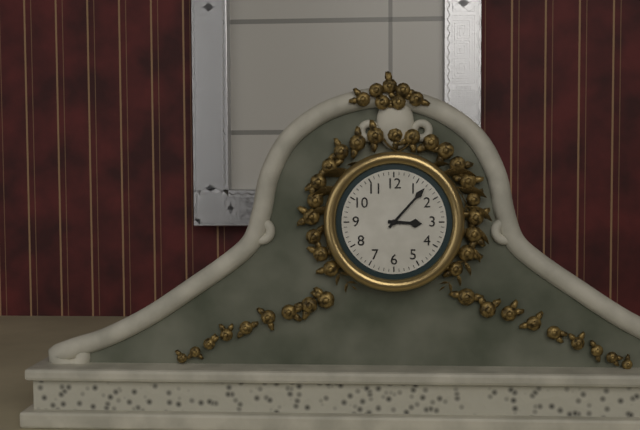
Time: **3:07**
